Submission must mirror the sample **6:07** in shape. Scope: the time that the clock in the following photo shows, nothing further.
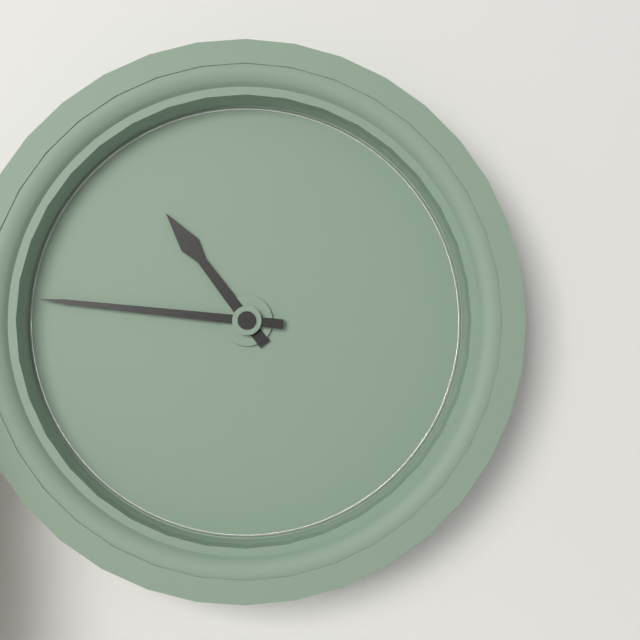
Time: **10:46**
